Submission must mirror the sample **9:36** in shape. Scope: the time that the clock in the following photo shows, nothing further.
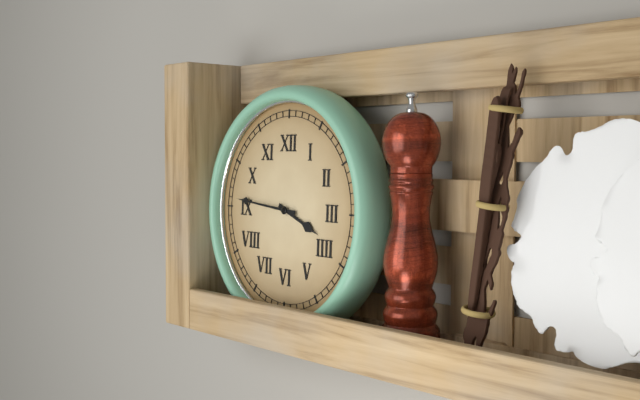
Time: **3:46**
